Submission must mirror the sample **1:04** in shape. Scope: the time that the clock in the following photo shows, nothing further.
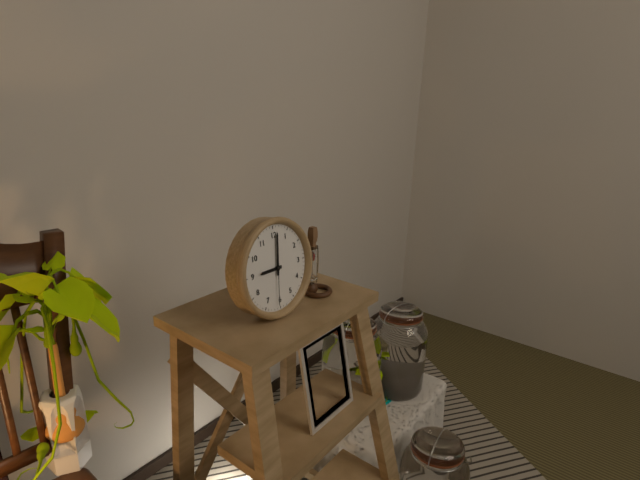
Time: **9:01**
